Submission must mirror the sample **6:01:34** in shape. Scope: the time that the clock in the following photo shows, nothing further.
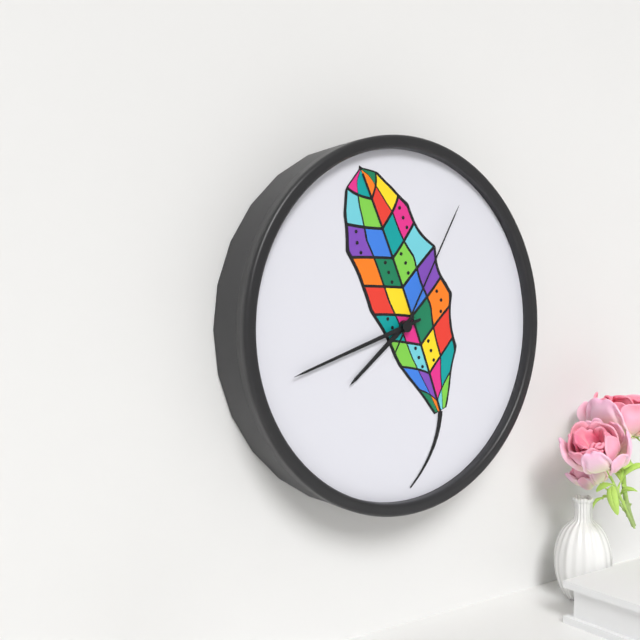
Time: **7:42:05**
